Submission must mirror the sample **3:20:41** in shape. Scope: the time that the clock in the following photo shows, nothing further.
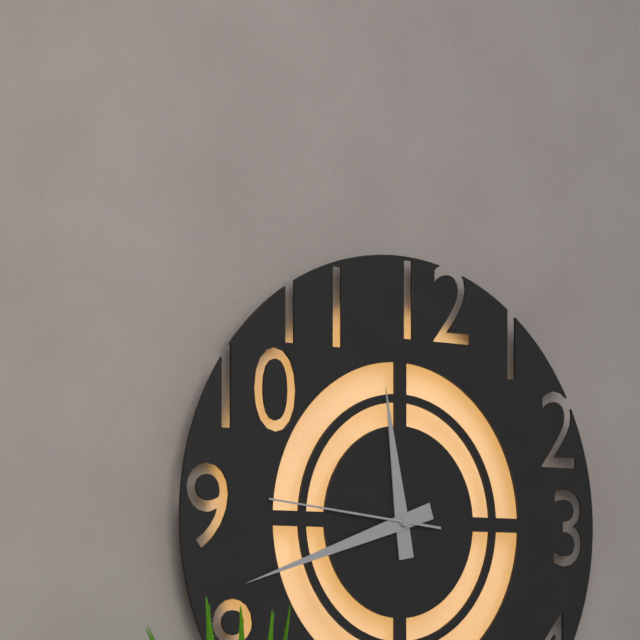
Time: **11:42:46**
